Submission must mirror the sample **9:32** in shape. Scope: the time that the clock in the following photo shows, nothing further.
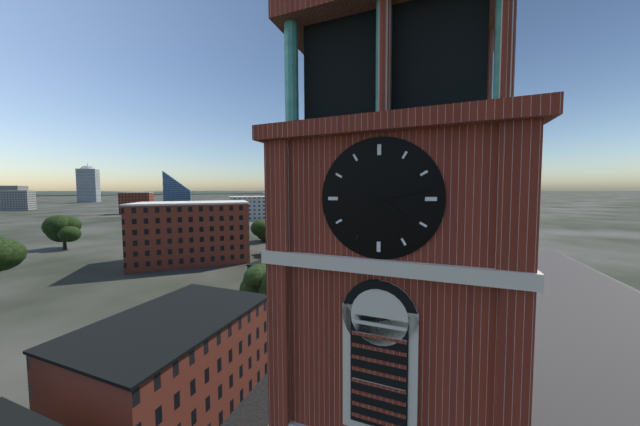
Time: **4:13**
